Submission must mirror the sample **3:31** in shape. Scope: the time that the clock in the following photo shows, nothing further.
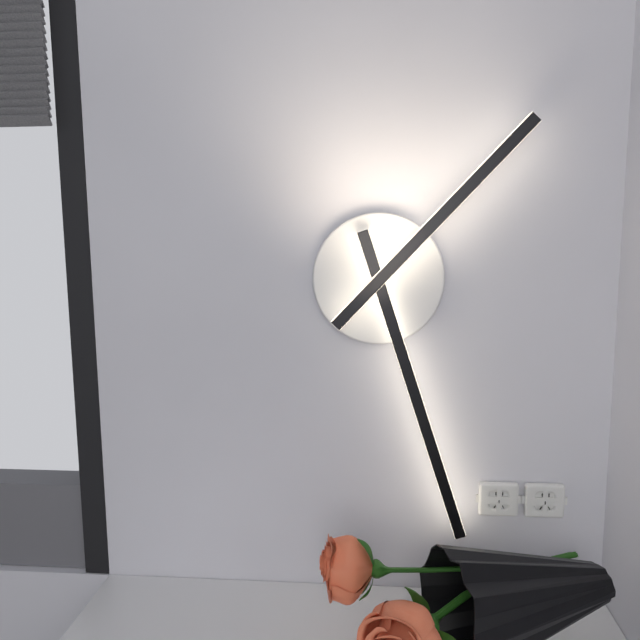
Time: **1:27**
